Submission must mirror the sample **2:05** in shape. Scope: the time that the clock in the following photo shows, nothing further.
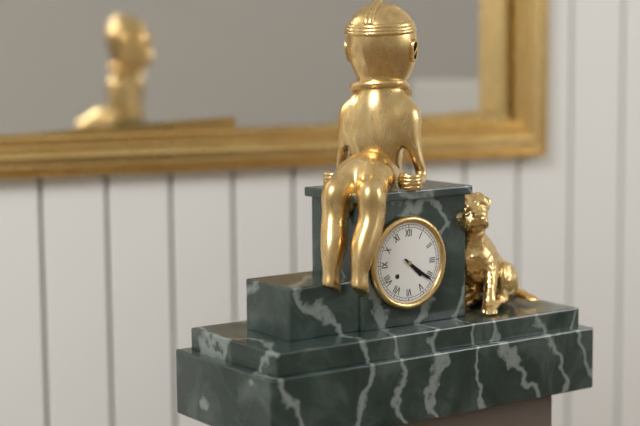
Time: **4:21**
